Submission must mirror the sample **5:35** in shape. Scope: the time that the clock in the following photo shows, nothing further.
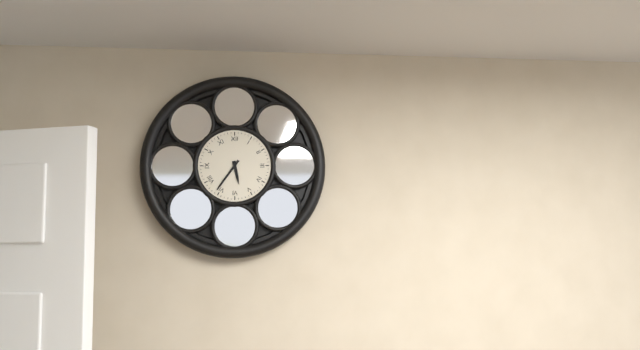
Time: **5:36**
